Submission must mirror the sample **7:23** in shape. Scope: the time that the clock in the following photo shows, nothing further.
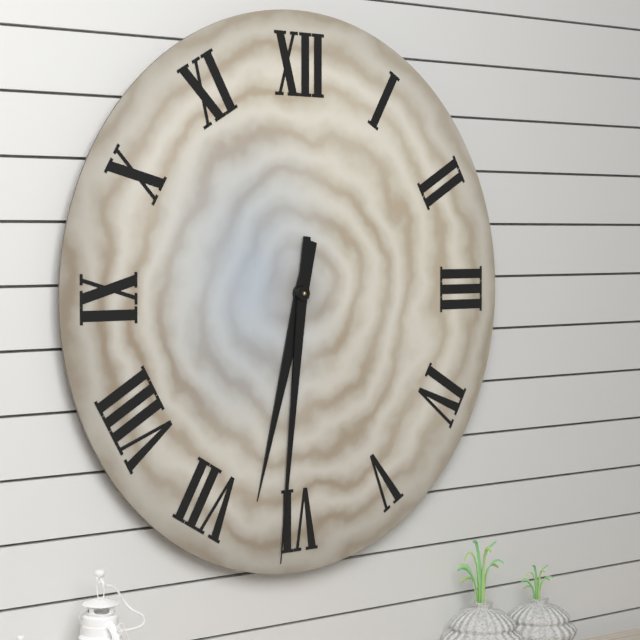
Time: **6:31**
